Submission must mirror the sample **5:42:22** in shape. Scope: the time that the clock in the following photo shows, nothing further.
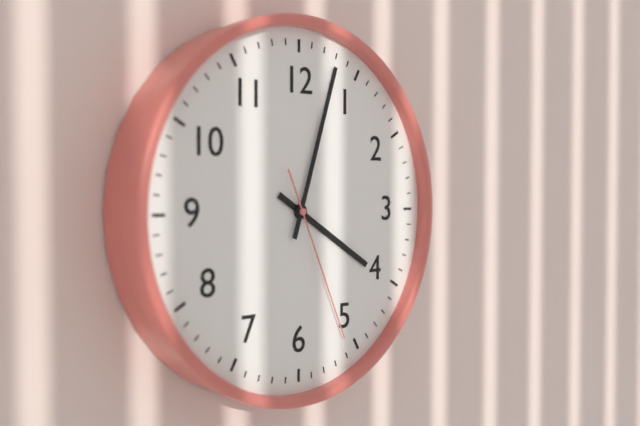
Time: **4:03:26**
